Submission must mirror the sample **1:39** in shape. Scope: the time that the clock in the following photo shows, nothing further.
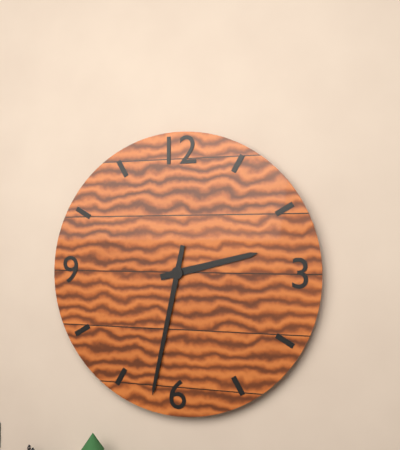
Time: **2:32**
